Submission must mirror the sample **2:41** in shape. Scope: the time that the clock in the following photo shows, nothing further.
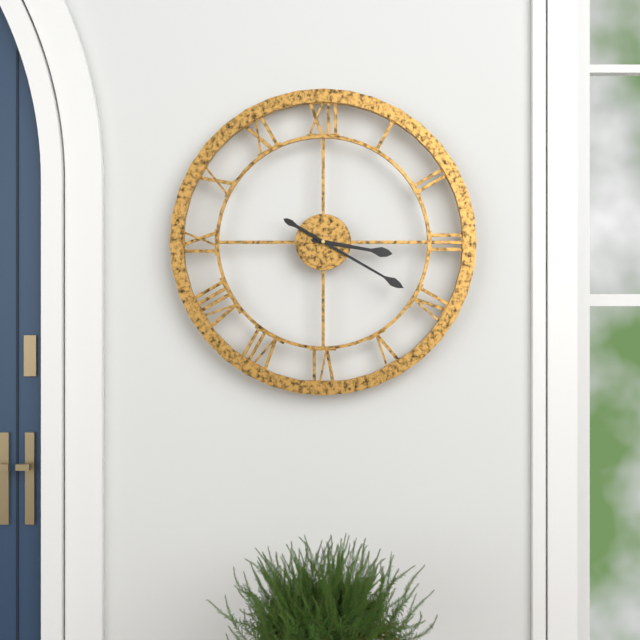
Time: **3:20**
